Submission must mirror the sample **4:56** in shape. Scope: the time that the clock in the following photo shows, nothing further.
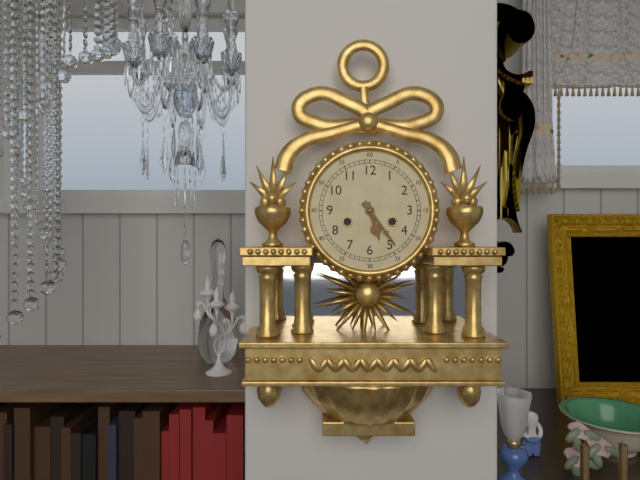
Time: **5:24**
